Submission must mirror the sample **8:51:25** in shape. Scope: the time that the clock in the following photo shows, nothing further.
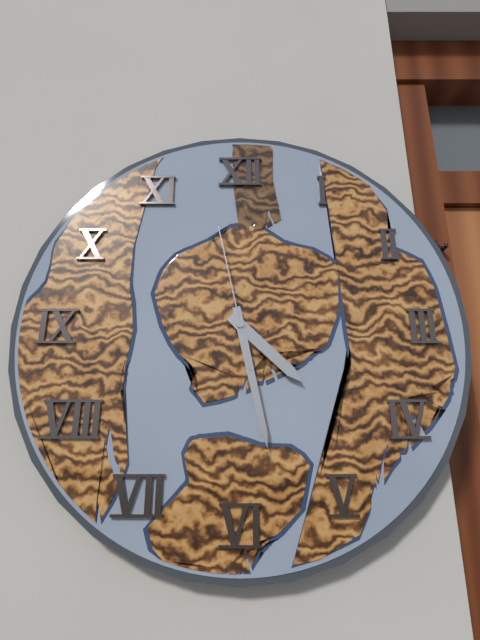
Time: **4:28:58**
